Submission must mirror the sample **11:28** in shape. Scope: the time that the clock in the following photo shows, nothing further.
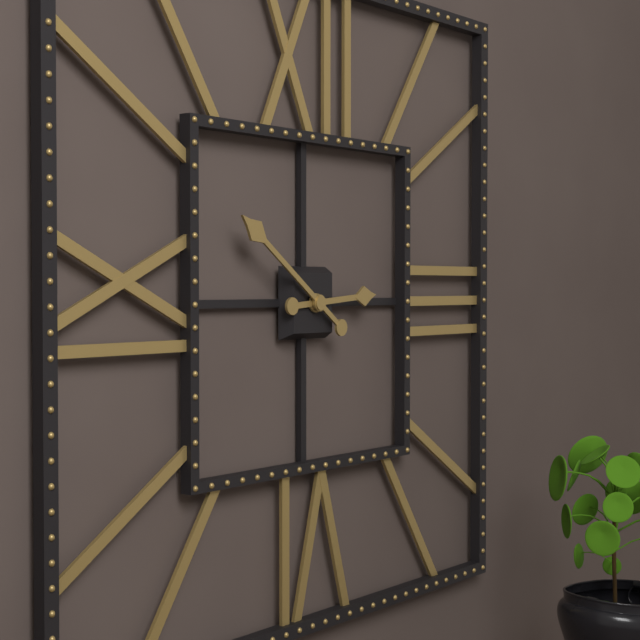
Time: **2:51**
